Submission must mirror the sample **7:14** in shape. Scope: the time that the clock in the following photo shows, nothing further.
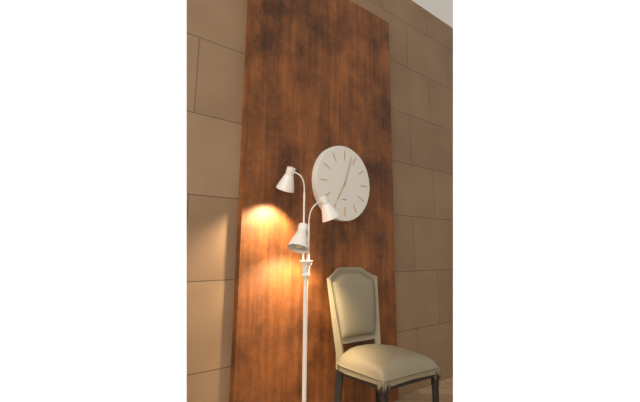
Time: **7:03**
